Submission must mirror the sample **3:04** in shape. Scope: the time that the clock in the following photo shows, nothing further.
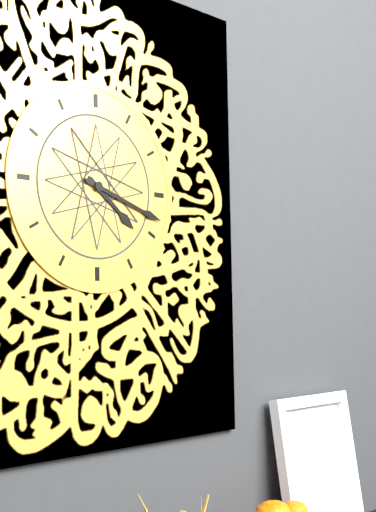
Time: **4:18**
